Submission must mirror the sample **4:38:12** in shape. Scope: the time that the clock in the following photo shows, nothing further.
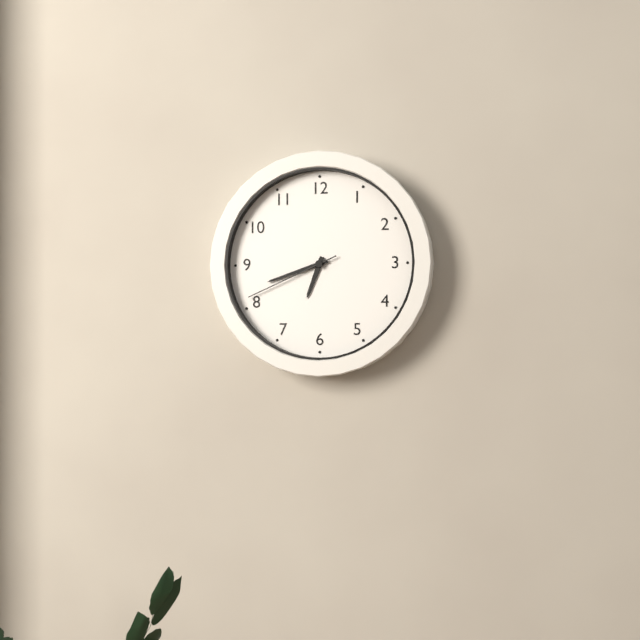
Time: **6:42:41**
